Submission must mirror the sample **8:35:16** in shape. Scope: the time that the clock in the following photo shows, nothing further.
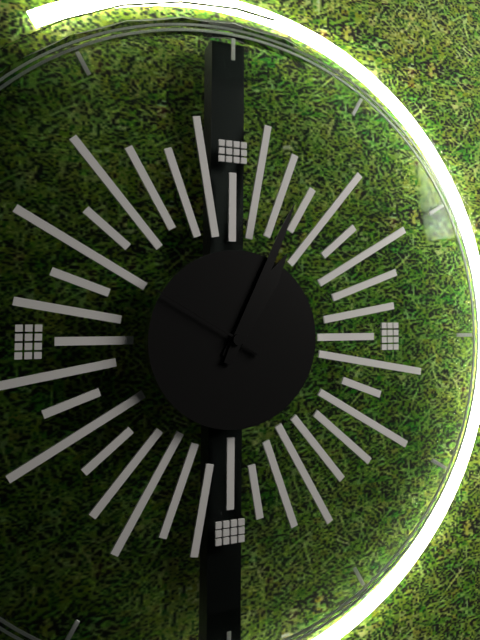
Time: **1:04:50**
